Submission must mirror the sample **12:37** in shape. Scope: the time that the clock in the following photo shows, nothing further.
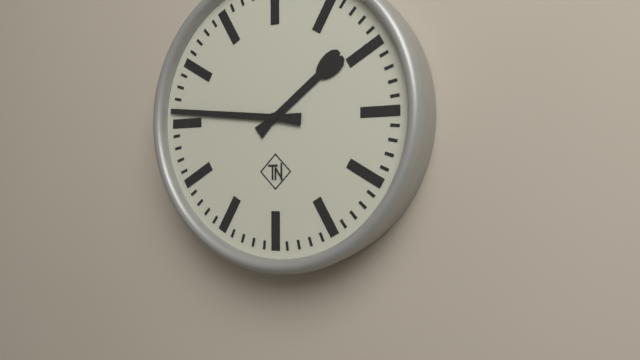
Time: **1:46**
